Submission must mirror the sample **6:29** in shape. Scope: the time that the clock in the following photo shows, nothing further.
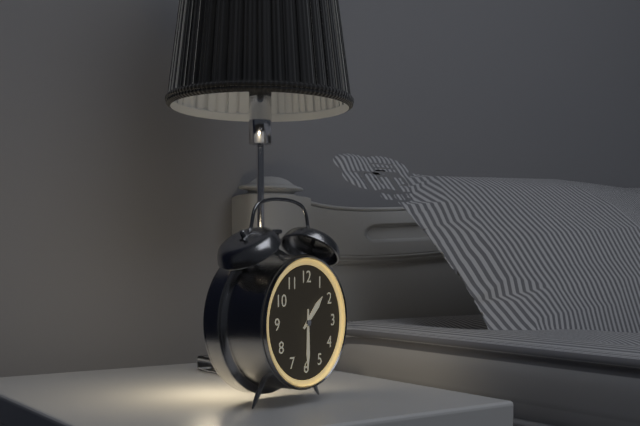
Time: **1:30**
